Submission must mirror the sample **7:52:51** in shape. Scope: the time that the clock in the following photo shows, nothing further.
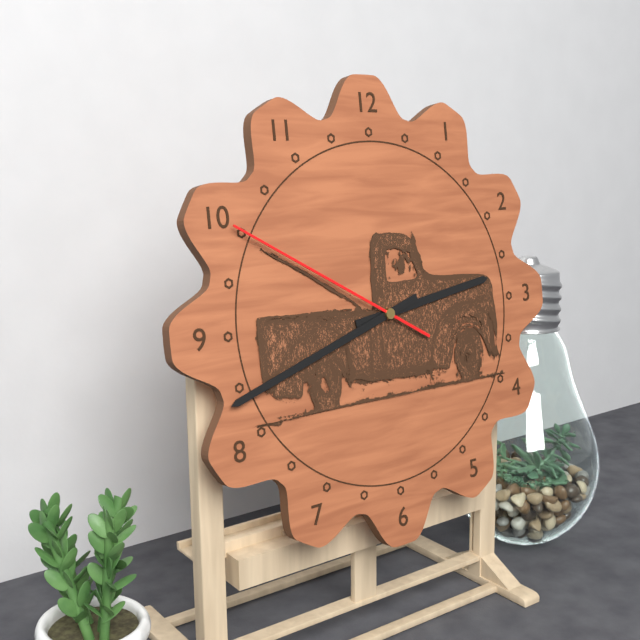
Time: **2:42:50**
